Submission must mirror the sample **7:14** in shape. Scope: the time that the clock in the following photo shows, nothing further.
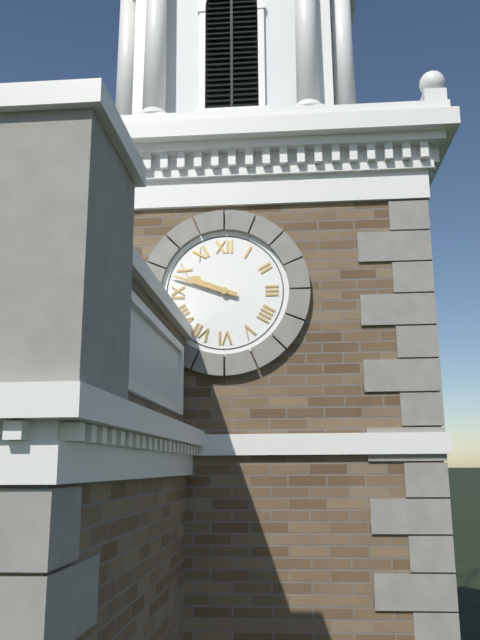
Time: **9:48**
